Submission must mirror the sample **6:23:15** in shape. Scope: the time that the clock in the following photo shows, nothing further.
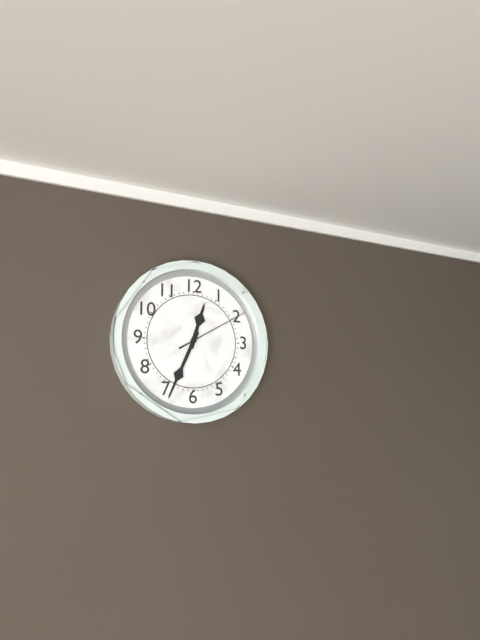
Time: **12:34:10**
